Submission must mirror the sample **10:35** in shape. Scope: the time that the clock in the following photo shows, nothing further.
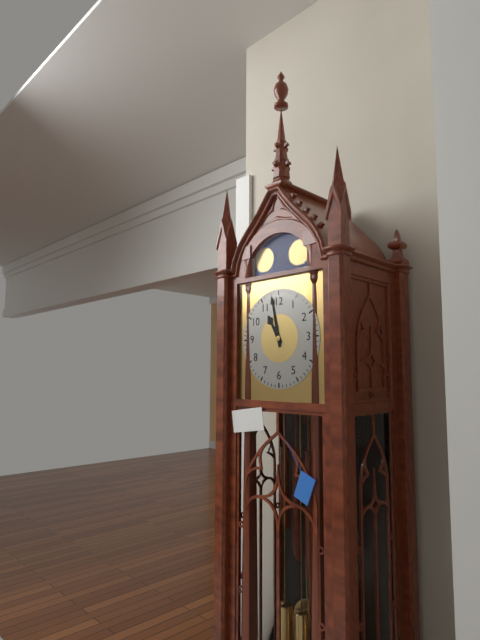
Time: **10:58**
